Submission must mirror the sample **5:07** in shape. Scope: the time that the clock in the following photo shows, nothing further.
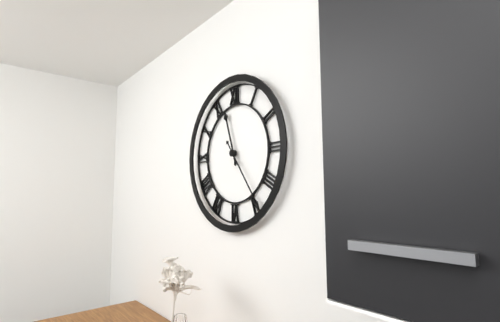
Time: **11:24**
